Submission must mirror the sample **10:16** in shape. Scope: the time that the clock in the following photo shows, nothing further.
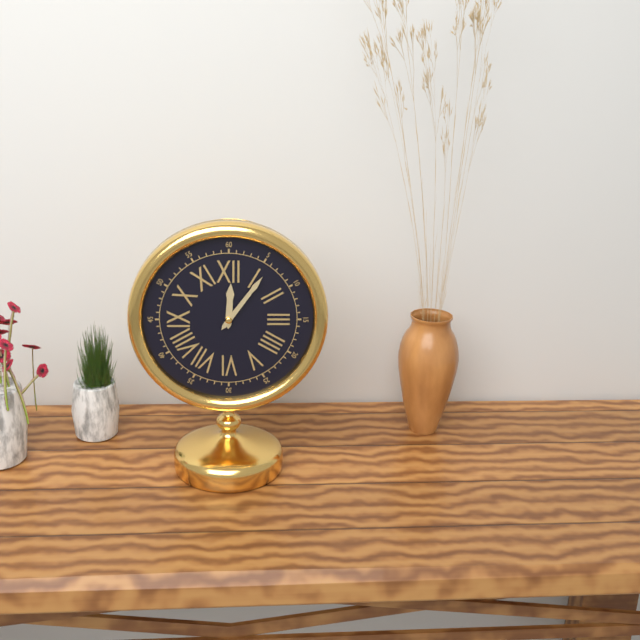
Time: **12:06**
